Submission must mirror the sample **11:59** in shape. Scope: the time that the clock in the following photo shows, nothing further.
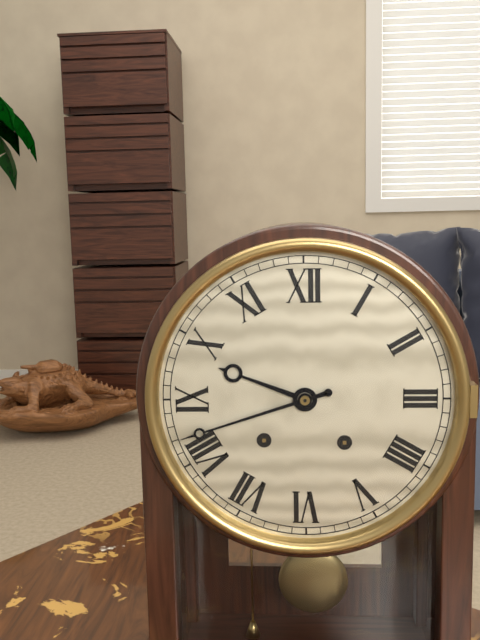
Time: **9:42**
